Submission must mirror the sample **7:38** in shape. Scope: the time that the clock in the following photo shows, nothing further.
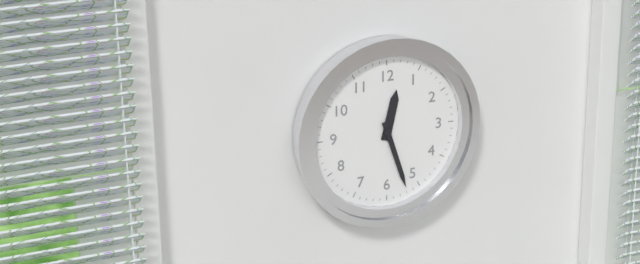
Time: **12:27**
